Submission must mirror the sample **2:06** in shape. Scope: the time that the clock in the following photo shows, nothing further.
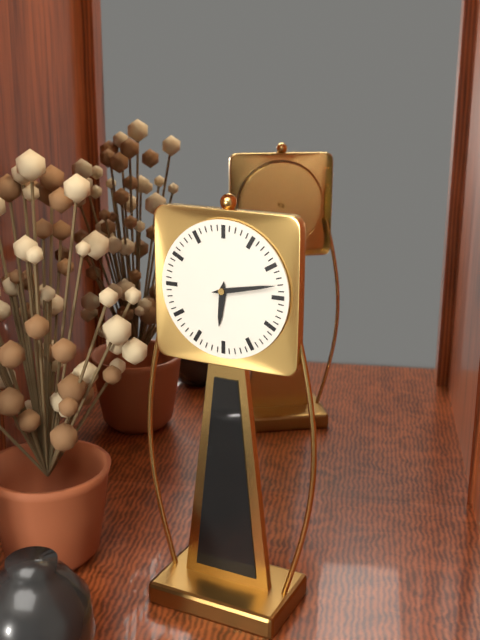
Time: **6:13**
